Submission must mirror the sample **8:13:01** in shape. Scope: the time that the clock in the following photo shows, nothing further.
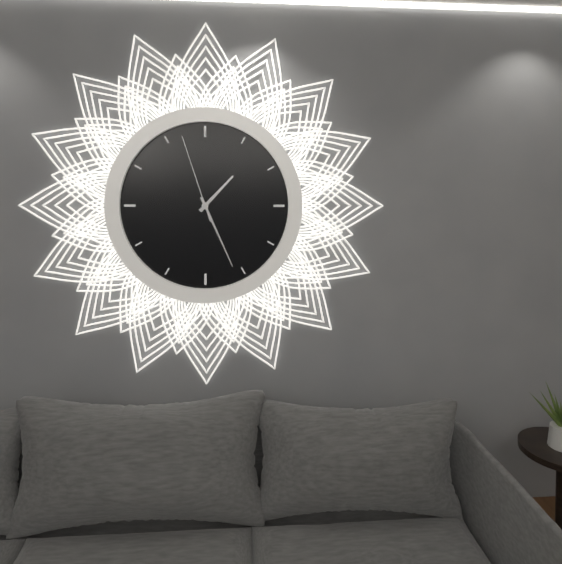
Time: **1:26:57**
